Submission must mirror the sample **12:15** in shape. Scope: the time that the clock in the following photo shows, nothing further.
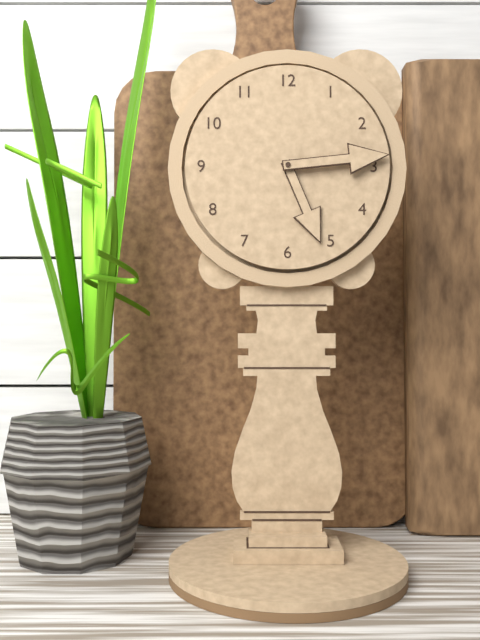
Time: **5:14**
